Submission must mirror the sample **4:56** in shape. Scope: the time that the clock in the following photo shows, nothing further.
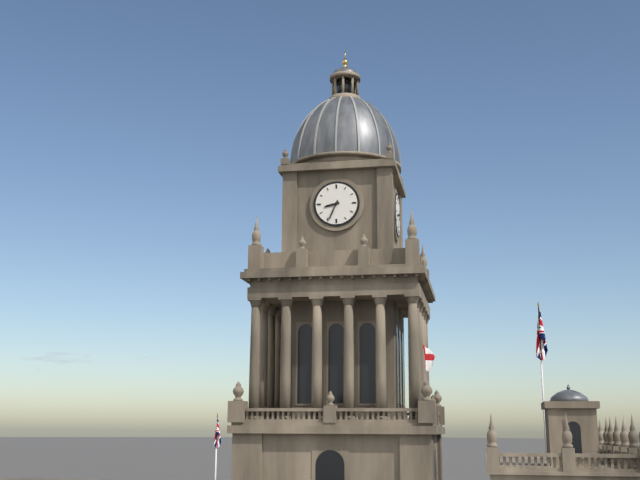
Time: **8:34**
